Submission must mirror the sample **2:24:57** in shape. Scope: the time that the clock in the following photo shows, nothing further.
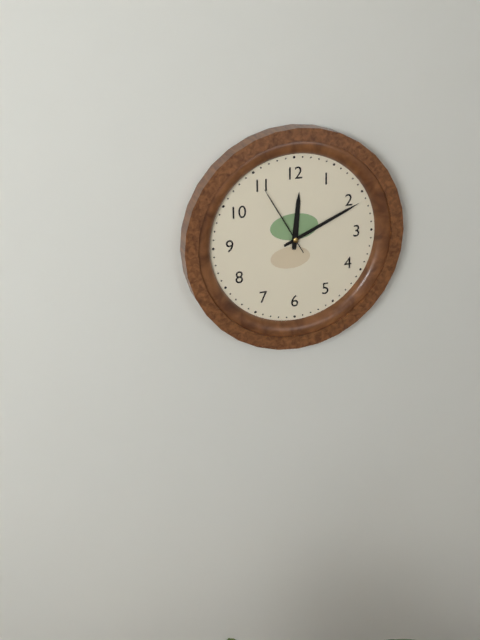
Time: **12:11:55**
